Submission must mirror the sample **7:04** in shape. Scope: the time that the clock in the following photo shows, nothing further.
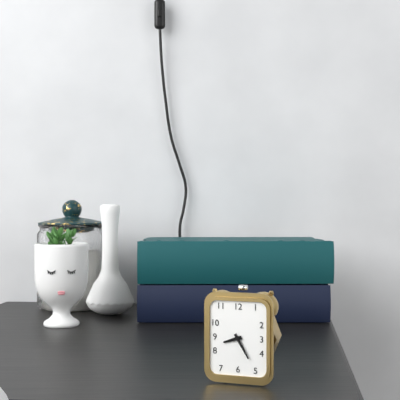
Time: **8:25**
